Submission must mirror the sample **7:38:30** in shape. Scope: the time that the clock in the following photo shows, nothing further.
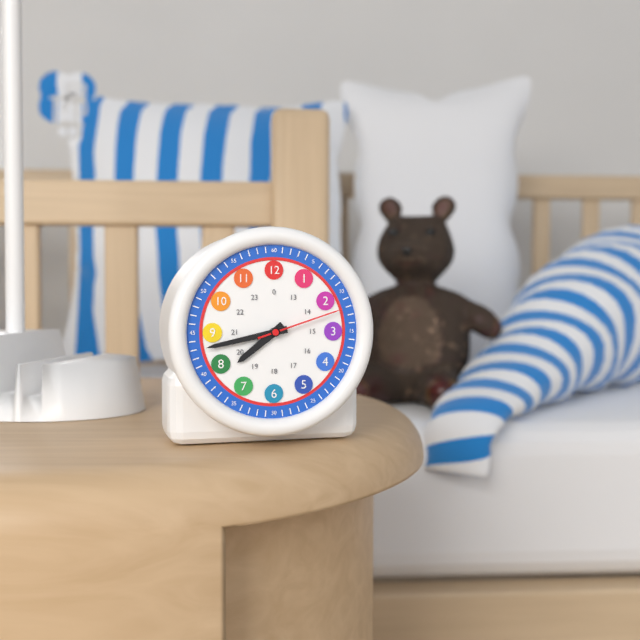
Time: **7:43:12**
